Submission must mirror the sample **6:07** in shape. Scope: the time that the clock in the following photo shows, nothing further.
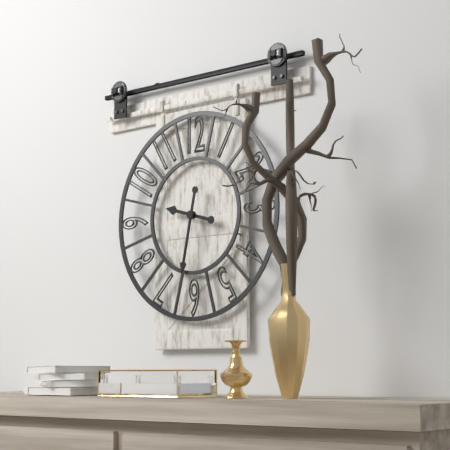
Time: **9:32**
